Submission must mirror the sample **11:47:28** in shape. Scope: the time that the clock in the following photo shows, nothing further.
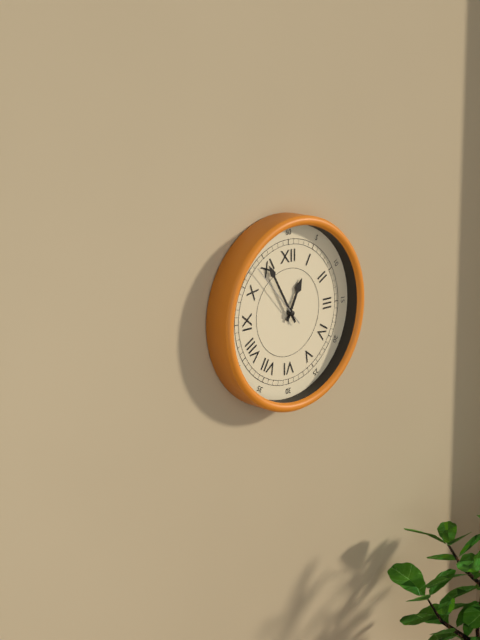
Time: **12:55:53**
